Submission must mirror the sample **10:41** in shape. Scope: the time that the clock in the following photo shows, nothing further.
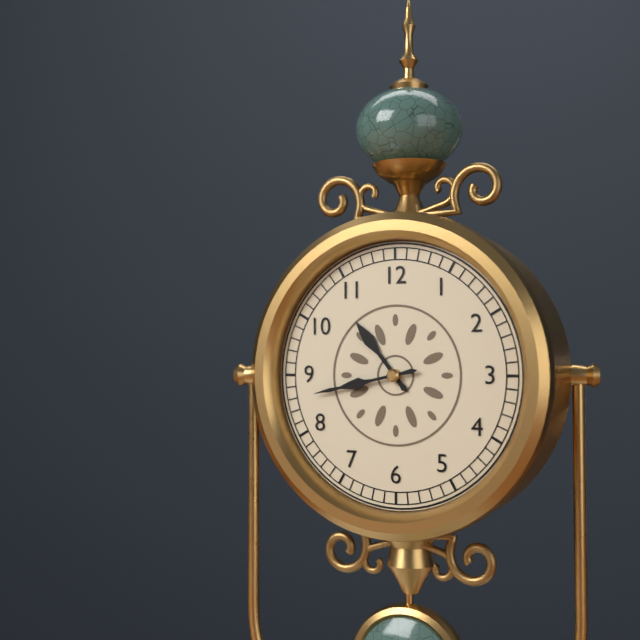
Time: **10:43**
